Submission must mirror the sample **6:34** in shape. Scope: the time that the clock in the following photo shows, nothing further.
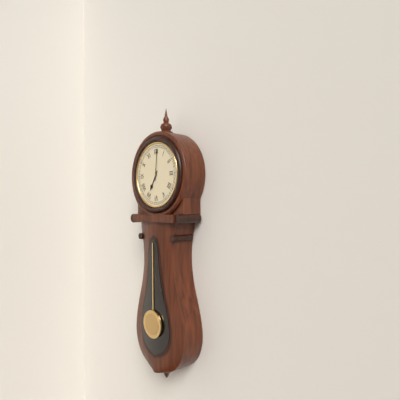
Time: **7:01**
